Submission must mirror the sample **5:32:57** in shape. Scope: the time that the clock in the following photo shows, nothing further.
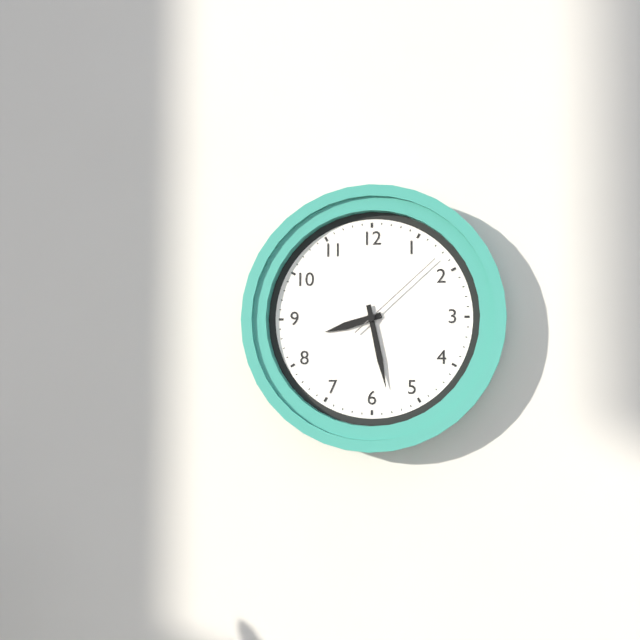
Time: **8:28:08**
